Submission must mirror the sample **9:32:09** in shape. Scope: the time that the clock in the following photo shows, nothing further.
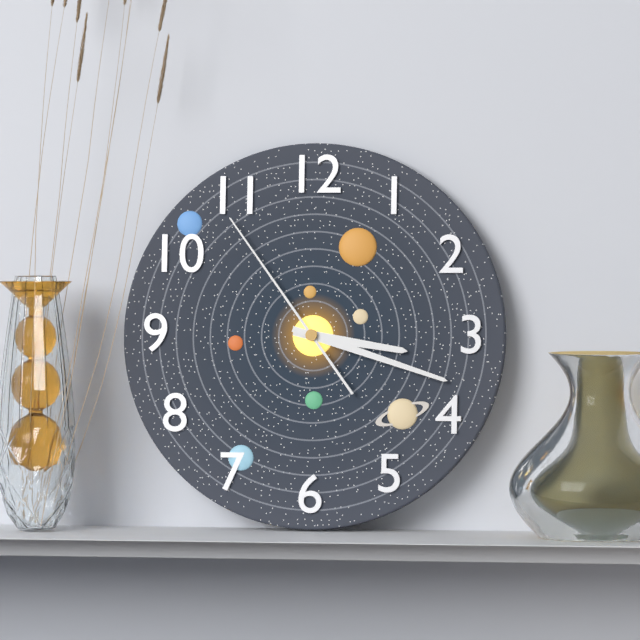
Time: **3:18:54**
